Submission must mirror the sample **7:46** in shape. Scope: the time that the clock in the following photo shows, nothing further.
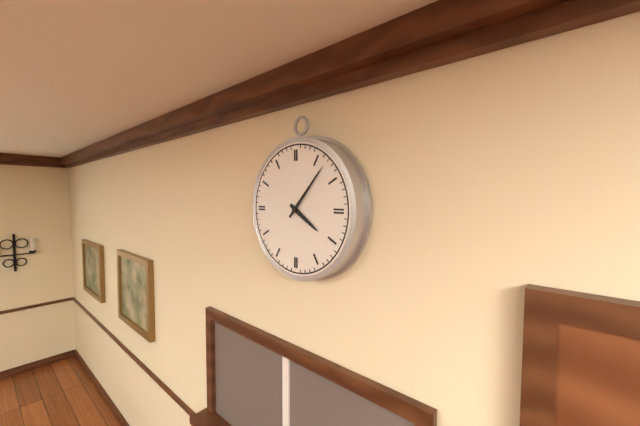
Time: **4:07**
